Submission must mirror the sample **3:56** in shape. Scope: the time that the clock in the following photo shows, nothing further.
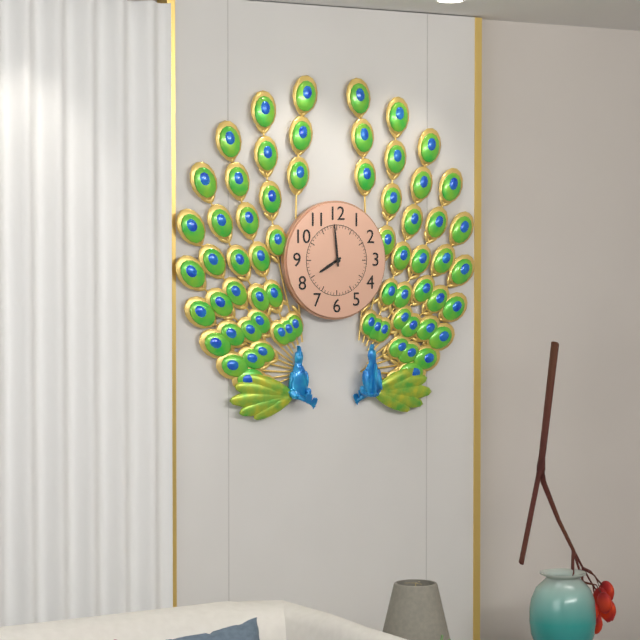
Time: **7:59**
